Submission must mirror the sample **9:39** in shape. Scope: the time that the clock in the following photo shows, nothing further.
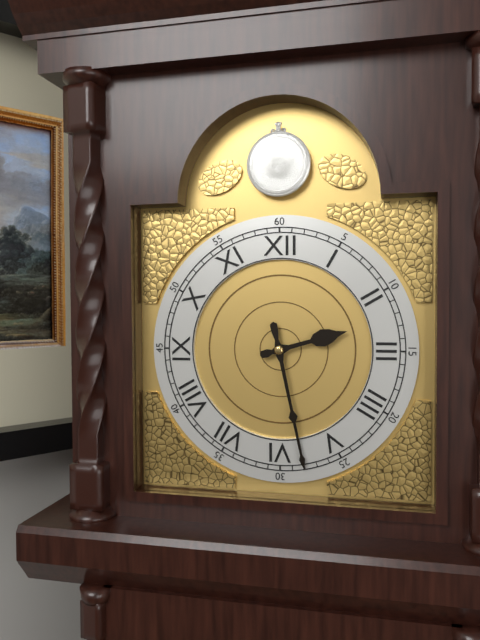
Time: **2:28**
